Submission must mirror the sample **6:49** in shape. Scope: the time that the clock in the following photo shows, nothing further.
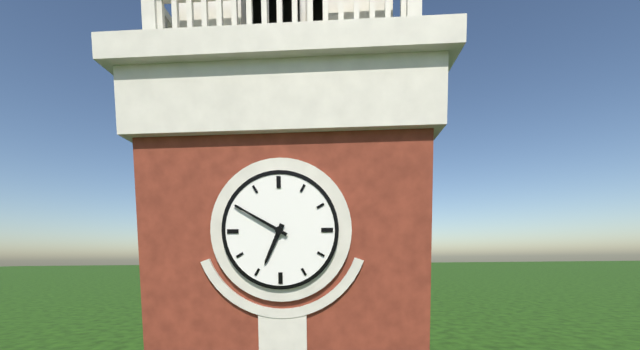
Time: **6:50**
